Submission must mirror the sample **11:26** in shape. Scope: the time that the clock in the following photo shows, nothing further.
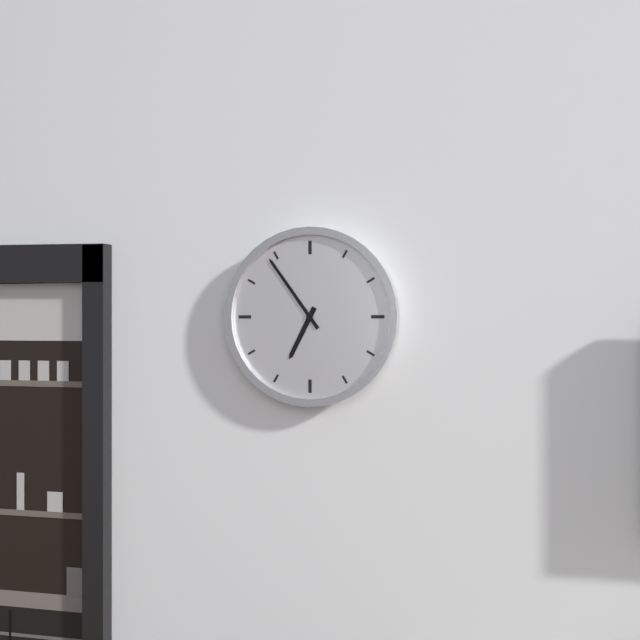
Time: **6:54**
